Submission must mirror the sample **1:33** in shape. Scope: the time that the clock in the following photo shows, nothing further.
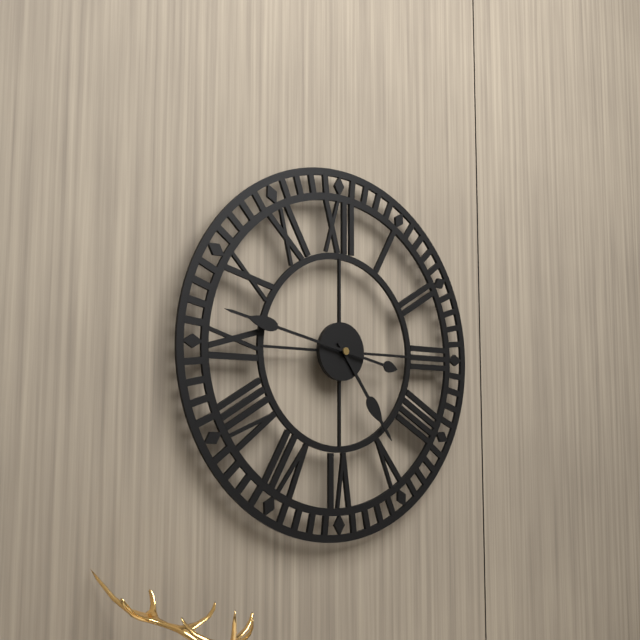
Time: **4:47**
